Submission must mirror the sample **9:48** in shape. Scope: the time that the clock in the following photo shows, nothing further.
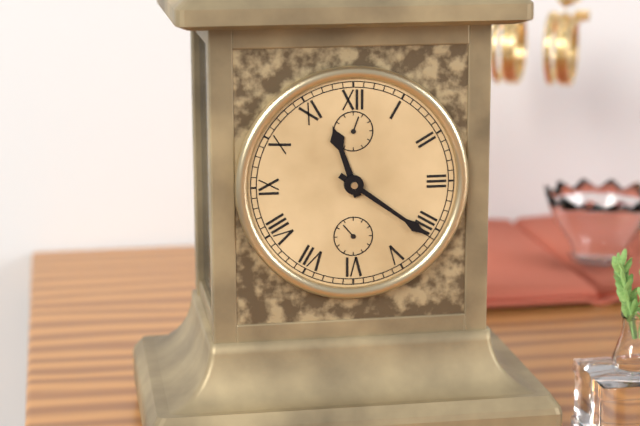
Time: **11:21**
